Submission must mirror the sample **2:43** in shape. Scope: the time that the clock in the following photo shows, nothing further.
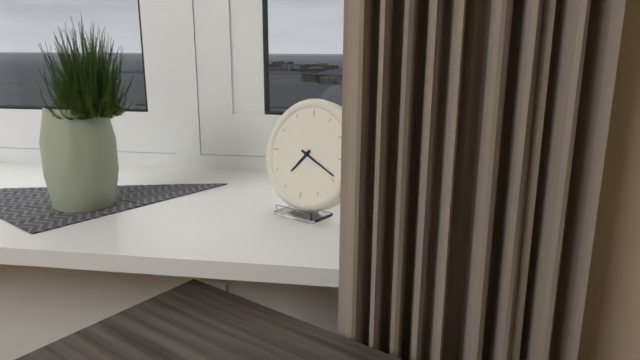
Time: **7:19**
